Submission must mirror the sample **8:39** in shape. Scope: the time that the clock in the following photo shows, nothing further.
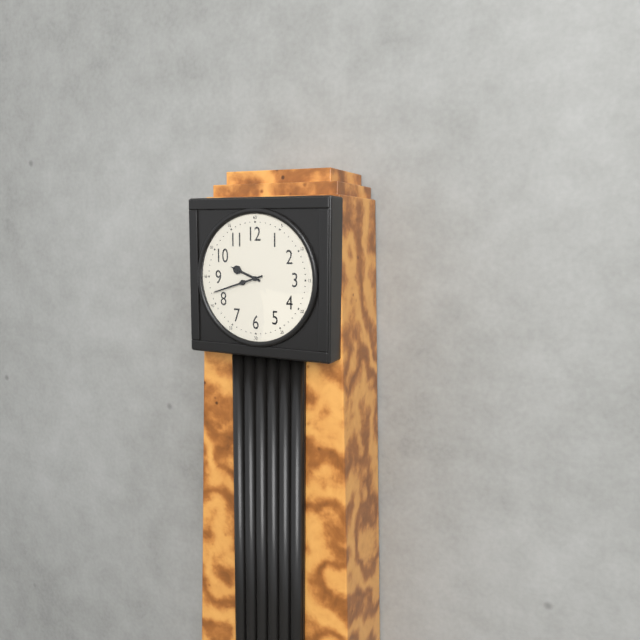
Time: **9:42**
